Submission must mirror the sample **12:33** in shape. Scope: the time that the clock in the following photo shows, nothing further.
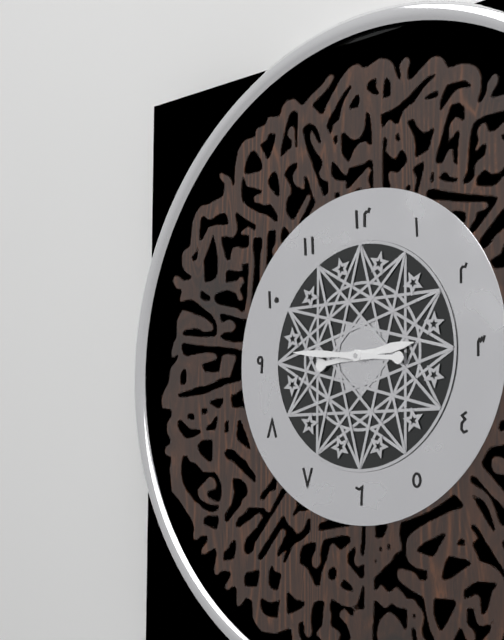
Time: **2:46**
